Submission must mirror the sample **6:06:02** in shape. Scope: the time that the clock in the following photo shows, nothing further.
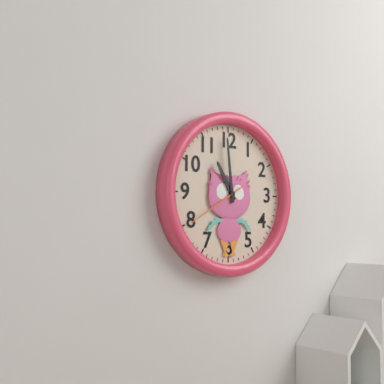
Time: **10:59:40**
